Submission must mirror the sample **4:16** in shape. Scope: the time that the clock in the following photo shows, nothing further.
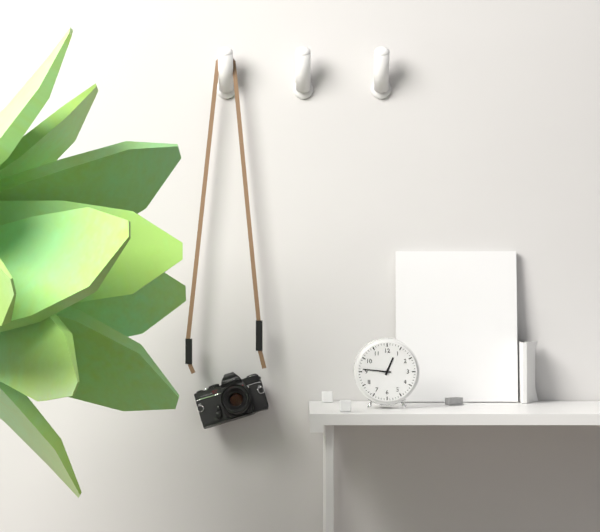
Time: **12:46**
